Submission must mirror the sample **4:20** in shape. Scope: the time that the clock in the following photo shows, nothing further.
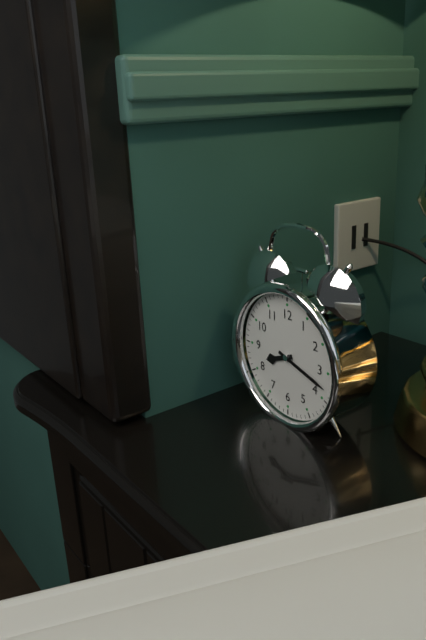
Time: **8:18**
